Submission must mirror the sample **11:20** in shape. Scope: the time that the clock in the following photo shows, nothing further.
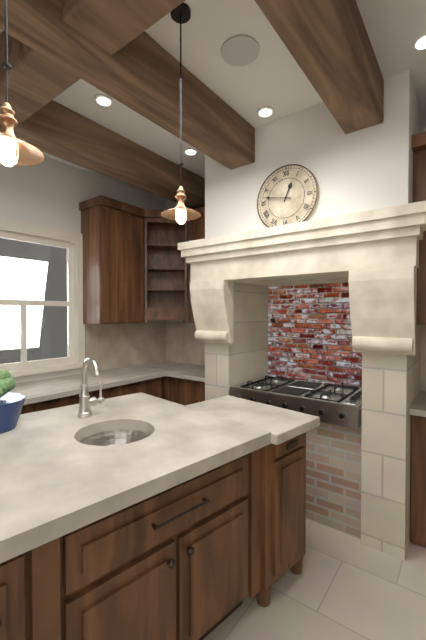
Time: **12:47**
